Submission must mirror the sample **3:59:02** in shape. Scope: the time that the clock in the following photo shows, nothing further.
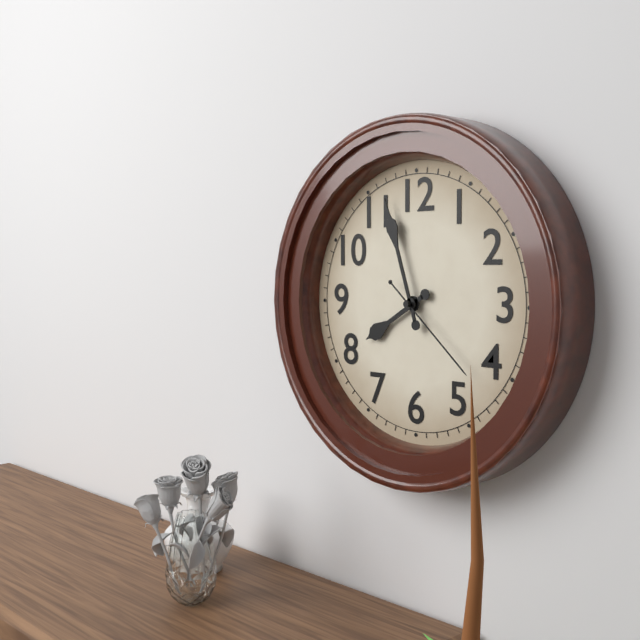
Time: **7:57:22**
